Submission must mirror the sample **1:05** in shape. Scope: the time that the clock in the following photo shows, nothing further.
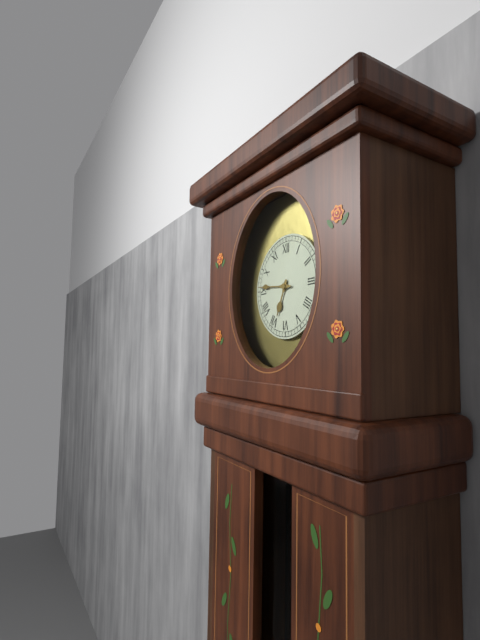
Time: **6:46**
